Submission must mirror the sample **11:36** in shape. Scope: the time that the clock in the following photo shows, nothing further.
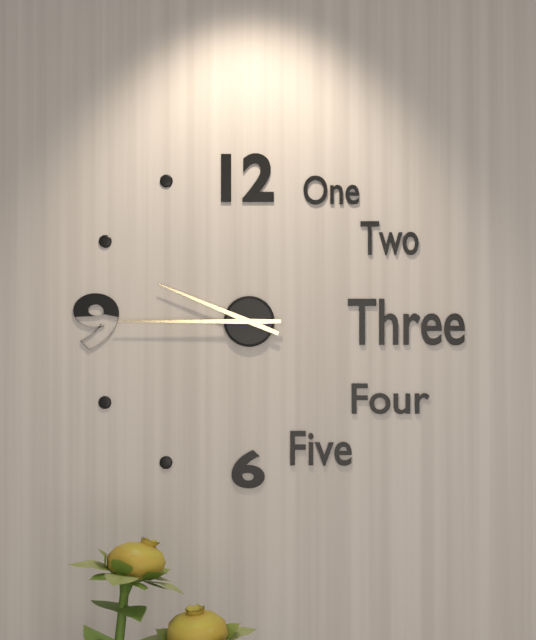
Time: **9:45**
